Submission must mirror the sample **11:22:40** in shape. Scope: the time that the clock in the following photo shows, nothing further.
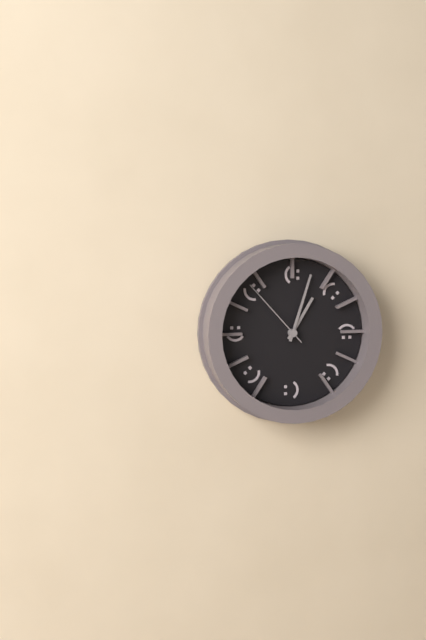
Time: **1:03:53**
